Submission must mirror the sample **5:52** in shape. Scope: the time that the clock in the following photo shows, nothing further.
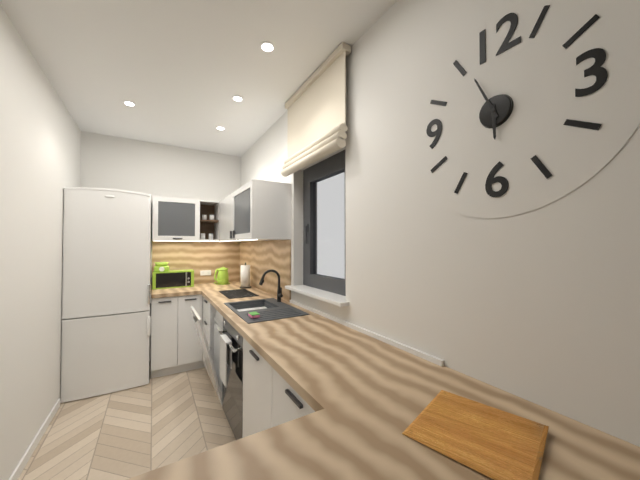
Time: **5:56**
